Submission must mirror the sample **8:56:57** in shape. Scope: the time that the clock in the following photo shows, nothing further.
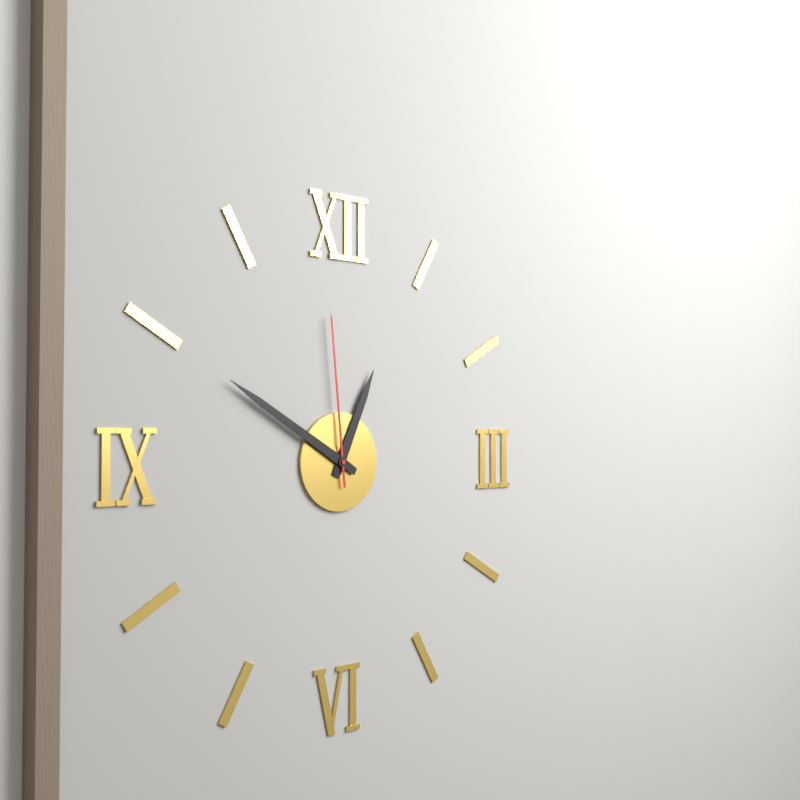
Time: **12:50:59**
